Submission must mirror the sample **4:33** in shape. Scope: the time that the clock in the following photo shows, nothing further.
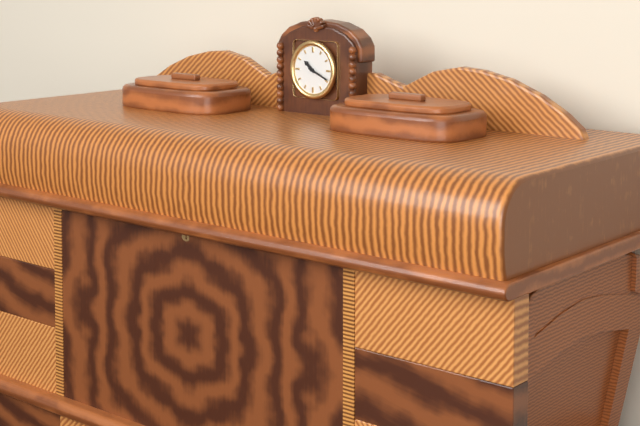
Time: **10:19**
